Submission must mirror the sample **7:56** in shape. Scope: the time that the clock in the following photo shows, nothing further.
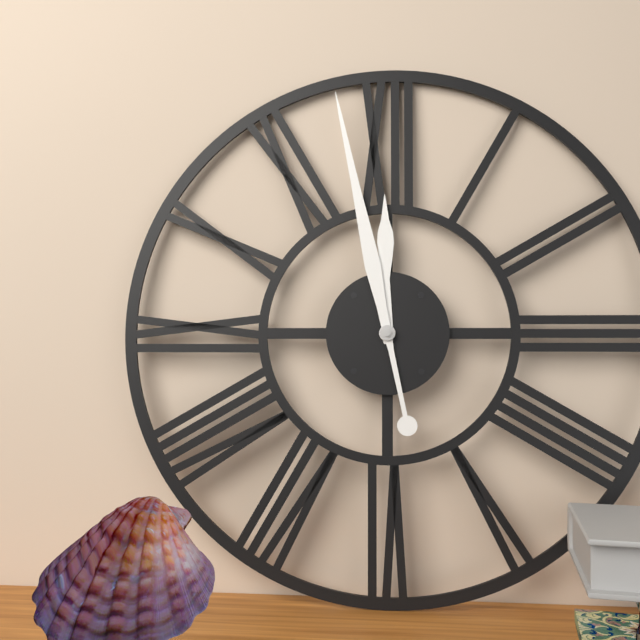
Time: **11:58**
